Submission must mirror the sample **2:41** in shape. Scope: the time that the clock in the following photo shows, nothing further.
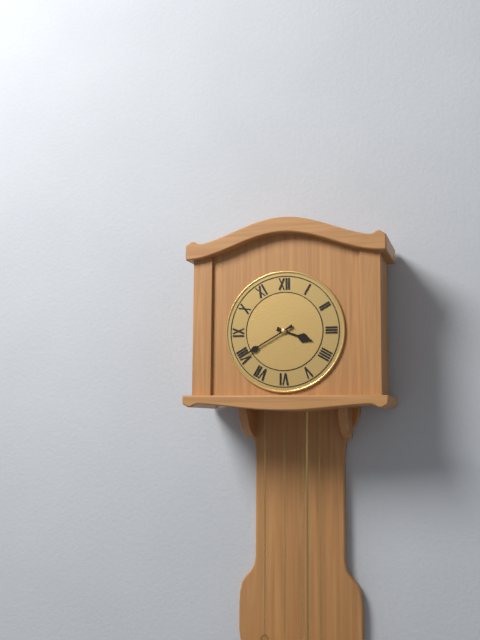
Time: **3:40**
